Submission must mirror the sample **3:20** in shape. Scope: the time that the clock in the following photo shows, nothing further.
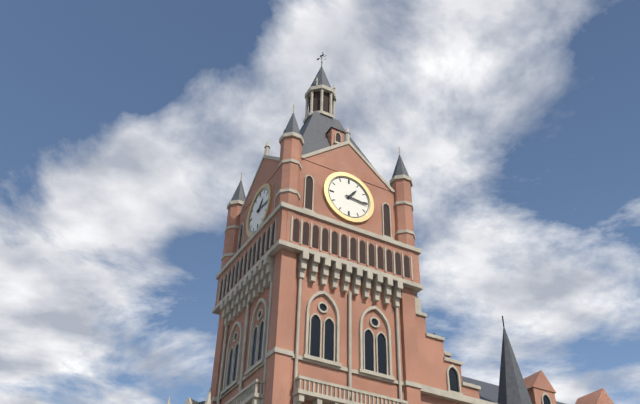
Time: **1:16**
